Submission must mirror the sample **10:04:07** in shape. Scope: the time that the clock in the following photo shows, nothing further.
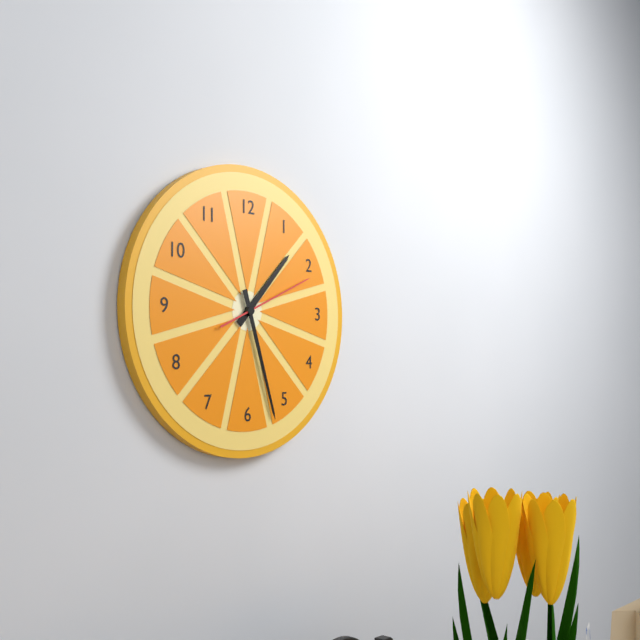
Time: **1:27:11**
